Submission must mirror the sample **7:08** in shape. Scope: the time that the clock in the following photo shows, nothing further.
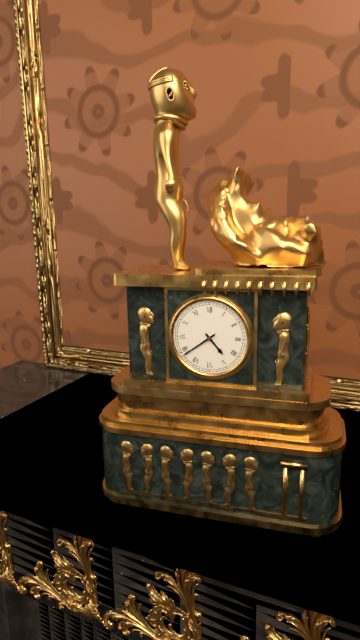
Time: **4:39**
